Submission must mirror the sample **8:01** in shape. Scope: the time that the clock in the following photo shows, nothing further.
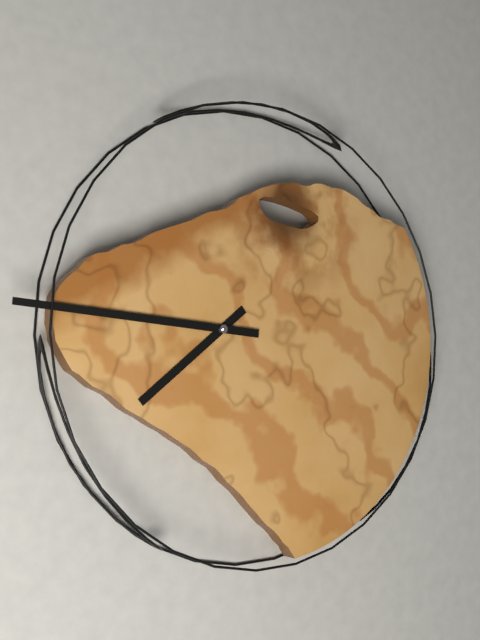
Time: **7:46**
